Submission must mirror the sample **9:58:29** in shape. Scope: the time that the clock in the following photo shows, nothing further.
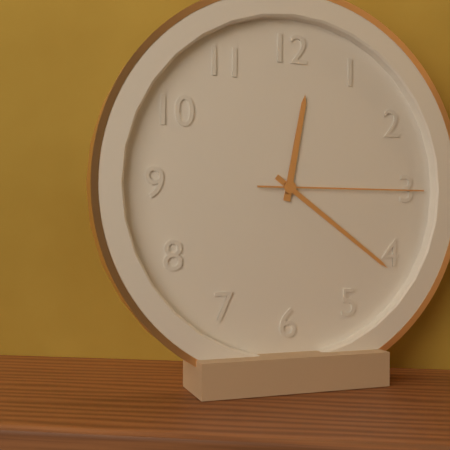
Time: **12:21:15**
